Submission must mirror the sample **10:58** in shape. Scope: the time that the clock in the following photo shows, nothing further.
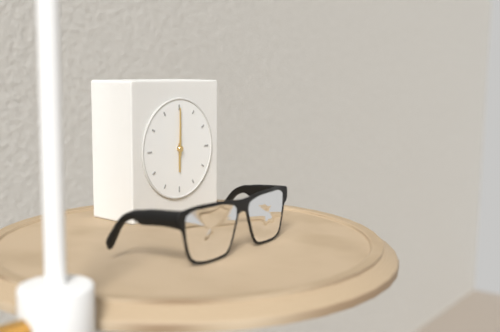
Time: **6:00**
